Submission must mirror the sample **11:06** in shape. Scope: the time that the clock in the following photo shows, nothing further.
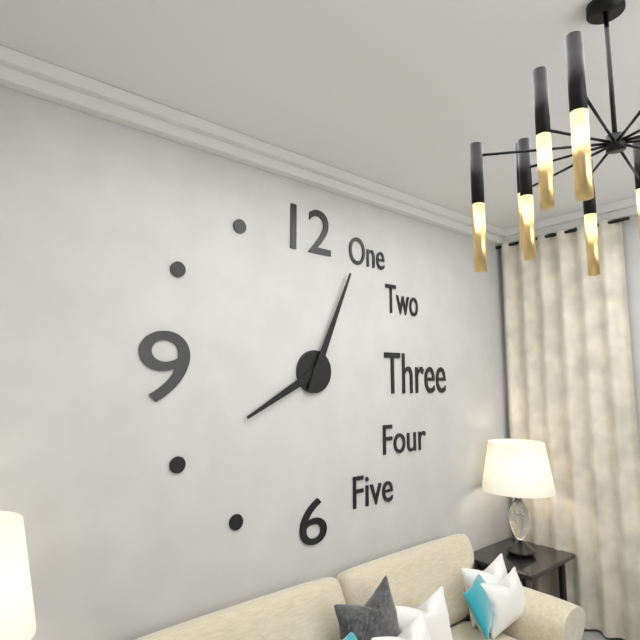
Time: **8:04**
